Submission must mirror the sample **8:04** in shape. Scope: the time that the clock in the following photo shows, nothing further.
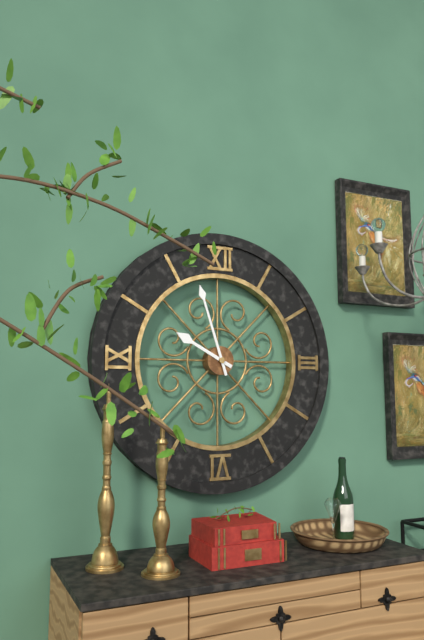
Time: **9:57**
